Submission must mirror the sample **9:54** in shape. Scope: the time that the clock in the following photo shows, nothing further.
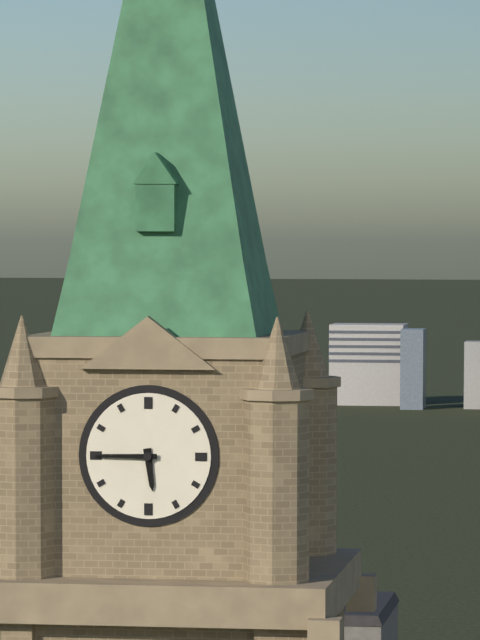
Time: **5:45**
